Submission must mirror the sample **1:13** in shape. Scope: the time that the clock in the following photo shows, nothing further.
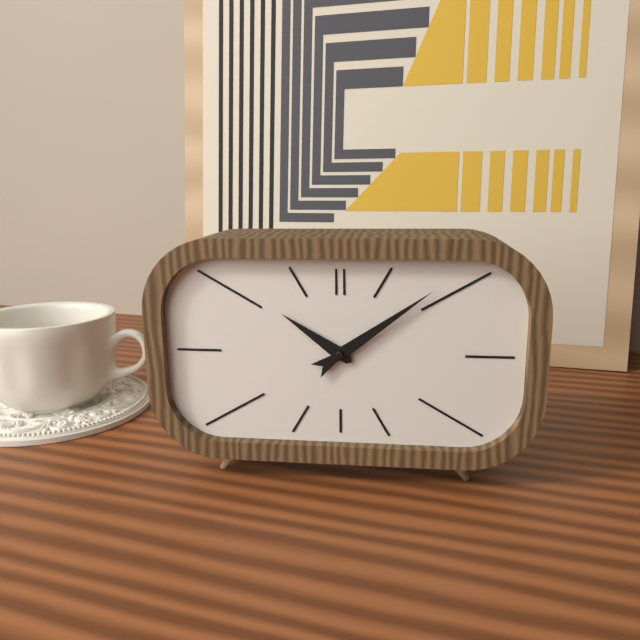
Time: **10:09**
